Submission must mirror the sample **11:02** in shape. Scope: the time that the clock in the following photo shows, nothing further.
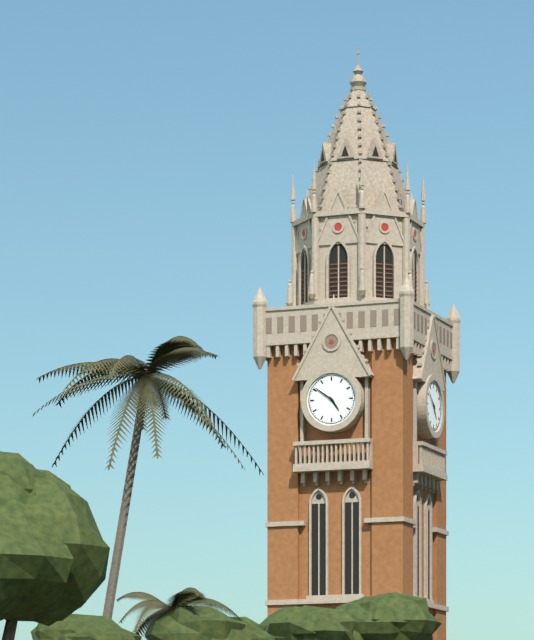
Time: **4:51**
